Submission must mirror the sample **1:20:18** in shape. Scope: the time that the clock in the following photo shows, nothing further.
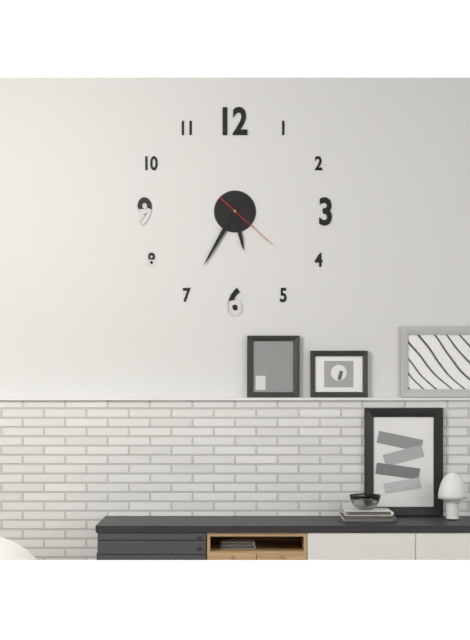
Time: **5:35:22**
